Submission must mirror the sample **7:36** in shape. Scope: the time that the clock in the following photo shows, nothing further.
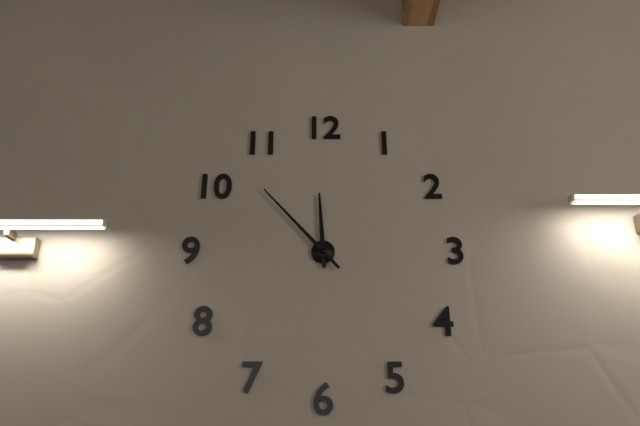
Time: **11:53**
